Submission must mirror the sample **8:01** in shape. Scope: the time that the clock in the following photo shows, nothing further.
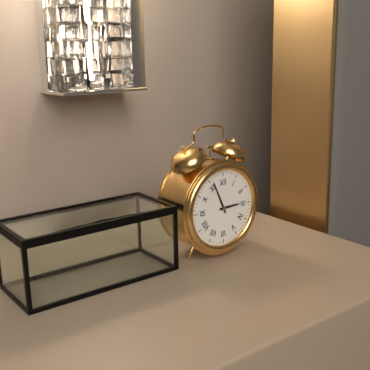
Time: **2:56**
